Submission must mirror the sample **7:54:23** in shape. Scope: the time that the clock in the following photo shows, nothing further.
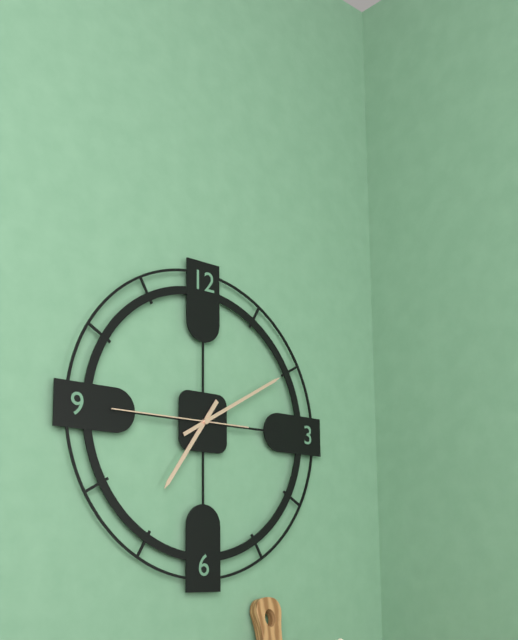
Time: **7:10:45**
